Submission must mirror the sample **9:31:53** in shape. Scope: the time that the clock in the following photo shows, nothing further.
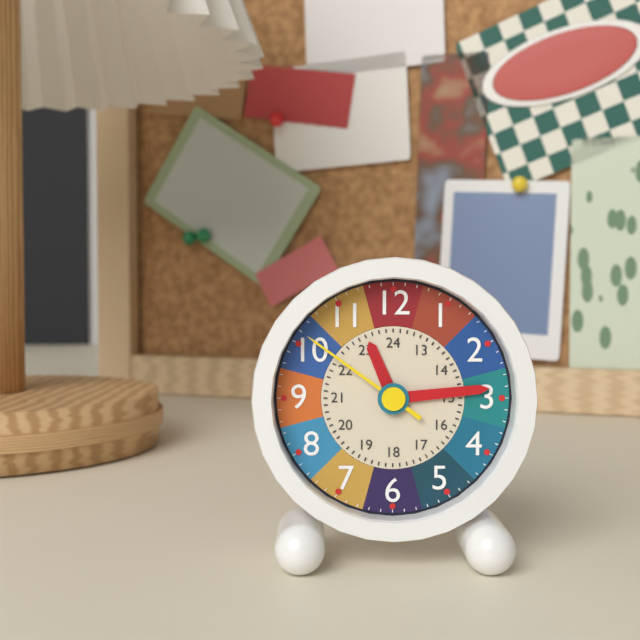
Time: **11:14:51**
